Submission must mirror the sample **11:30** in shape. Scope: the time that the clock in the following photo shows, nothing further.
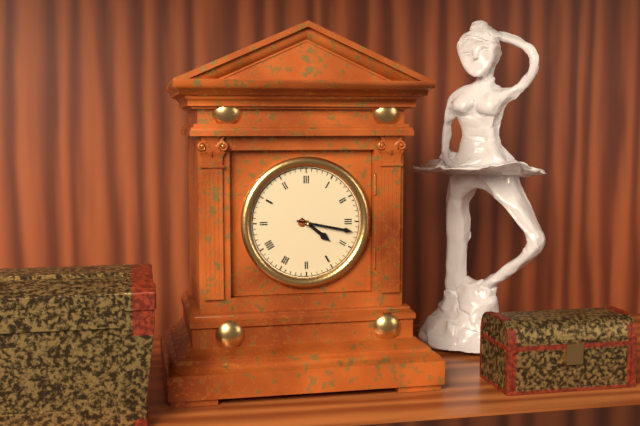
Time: **4:17**
